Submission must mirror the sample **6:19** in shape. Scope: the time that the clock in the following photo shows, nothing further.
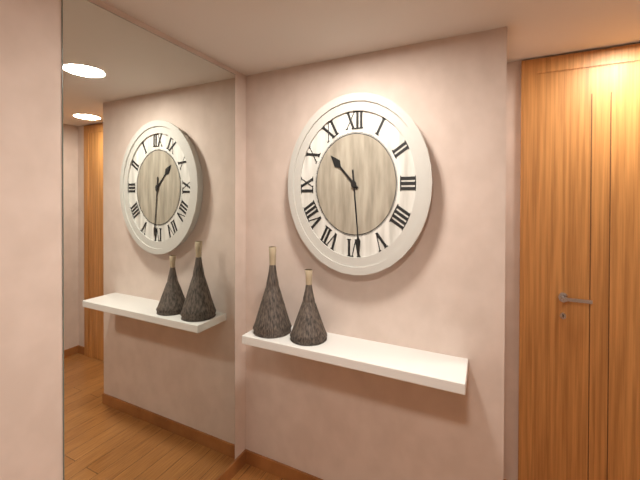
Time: **10:29**
